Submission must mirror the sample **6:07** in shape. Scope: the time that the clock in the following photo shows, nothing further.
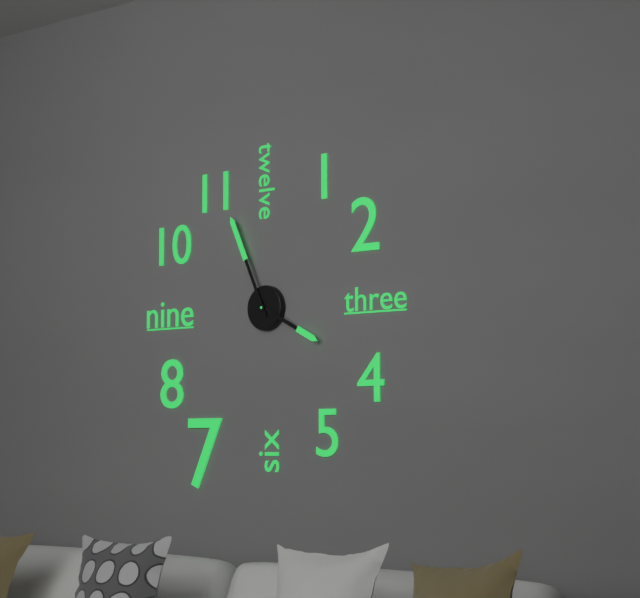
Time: **3:56**
